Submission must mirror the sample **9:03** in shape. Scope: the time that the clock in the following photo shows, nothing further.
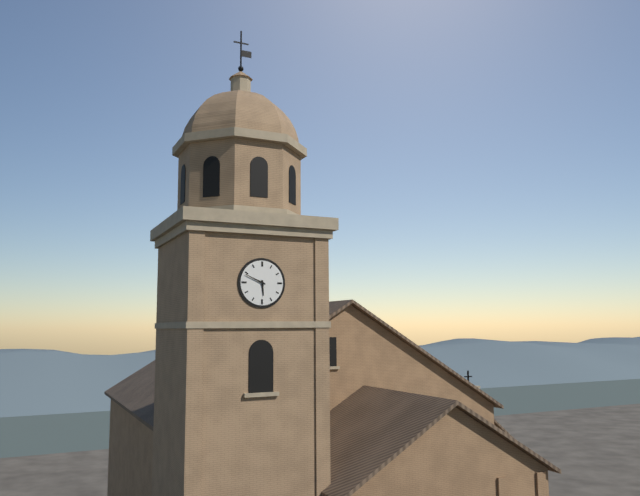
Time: **5:49**
